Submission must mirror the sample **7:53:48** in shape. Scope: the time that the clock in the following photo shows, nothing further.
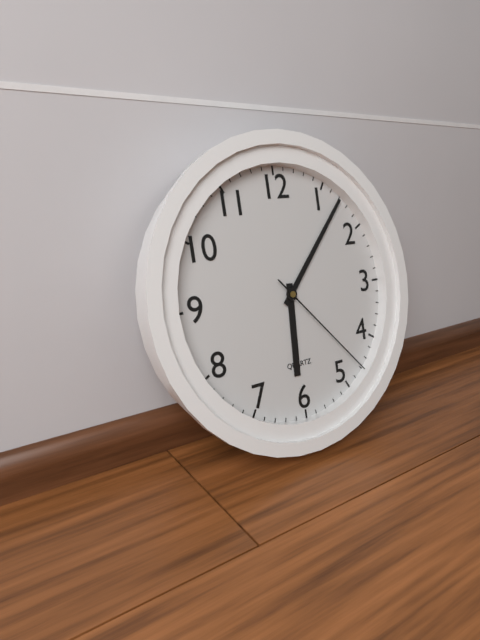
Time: **6:07:23**
